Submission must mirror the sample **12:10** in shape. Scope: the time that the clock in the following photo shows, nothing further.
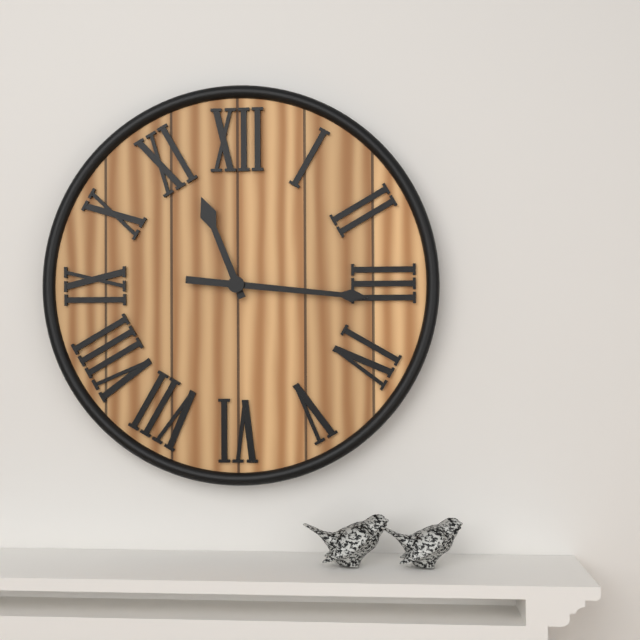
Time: **11:16**
